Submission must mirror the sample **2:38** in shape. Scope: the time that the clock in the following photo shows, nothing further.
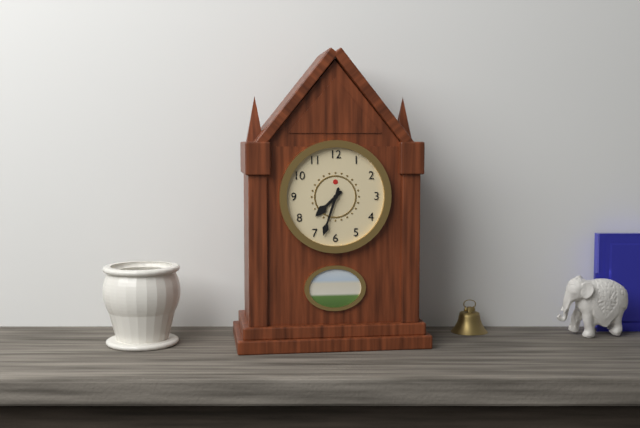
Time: **7:33**
